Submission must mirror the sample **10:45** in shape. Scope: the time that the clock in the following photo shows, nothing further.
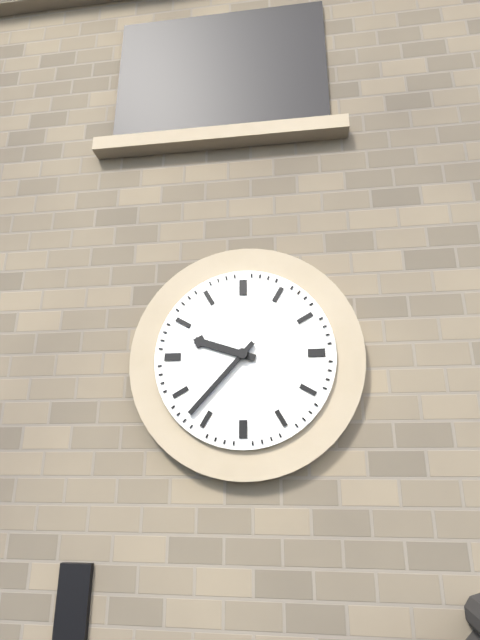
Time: **9:37**
